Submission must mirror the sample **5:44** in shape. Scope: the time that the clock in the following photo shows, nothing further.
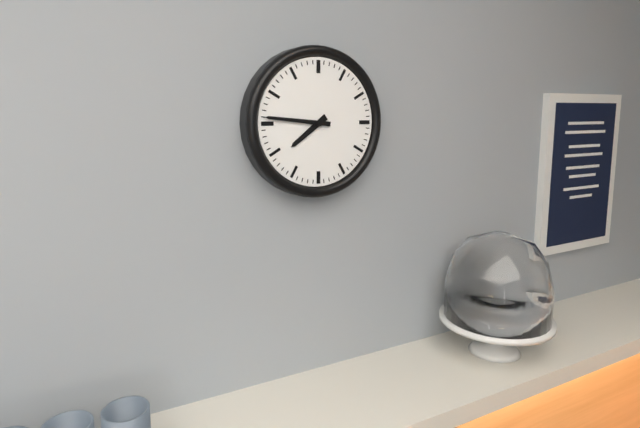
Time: **7:46**
